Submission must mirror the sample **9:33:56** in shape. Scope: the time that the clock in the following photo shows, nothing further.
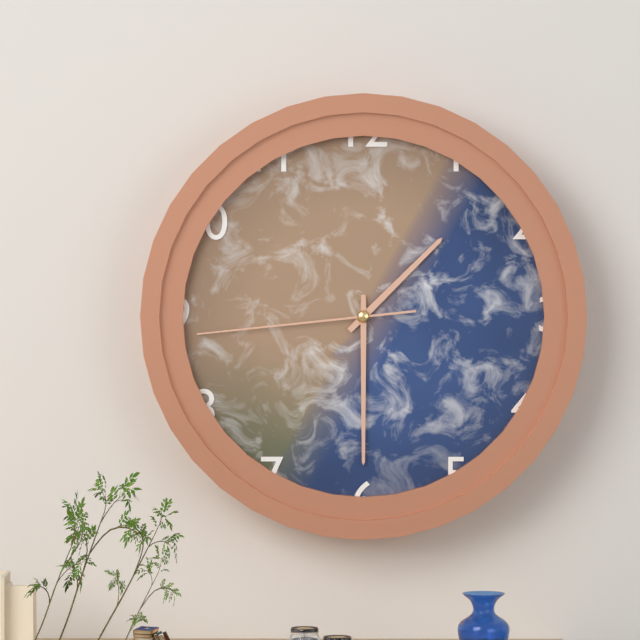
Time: **1:30:44**
